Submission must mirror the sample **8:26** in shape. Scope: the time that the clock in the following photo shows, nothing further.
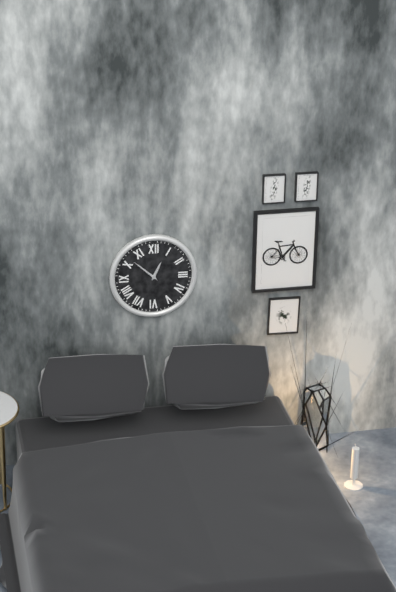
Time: **12:52**
